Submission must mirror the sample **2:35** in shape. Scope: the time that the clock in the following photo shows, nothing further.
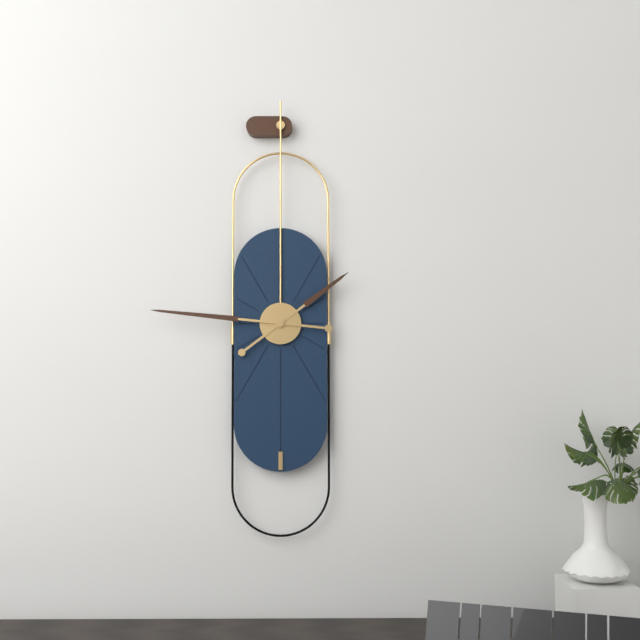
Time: **1:46**
